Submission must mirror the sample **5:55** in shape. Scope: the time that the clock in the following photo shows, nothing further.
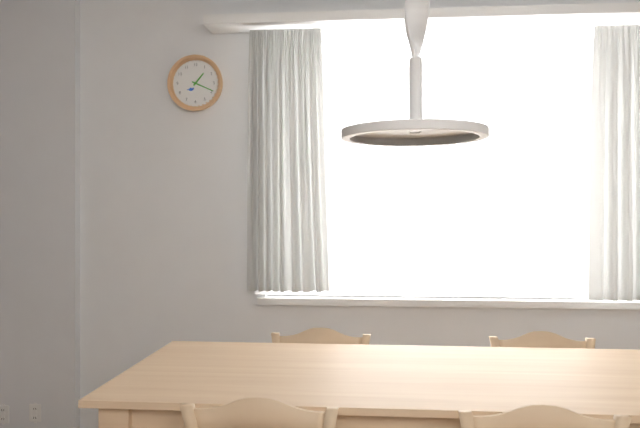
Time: **1:19**
